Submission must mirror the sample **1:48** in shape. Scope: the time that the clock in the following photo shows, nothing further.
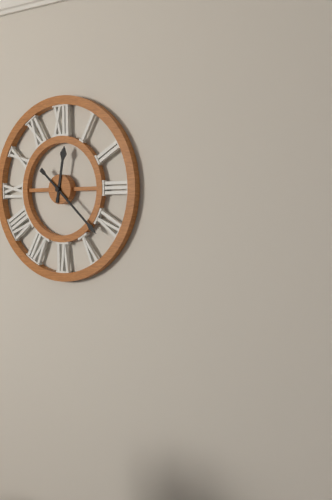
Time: **12:22**
